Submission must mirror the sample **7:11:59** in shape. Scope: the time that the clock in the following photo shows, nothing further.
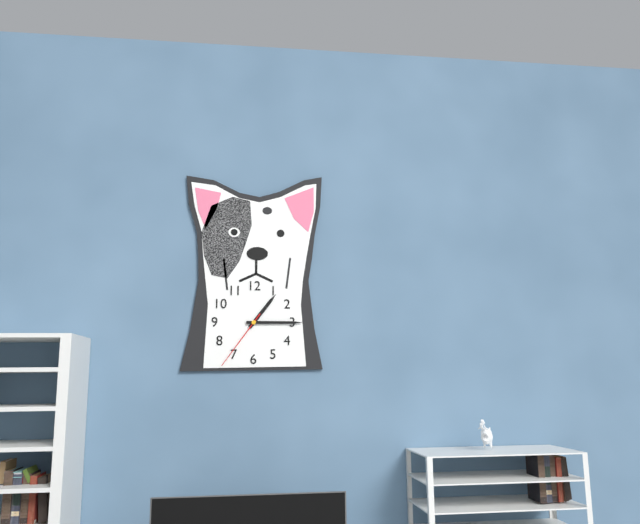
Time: **1:15:36**
